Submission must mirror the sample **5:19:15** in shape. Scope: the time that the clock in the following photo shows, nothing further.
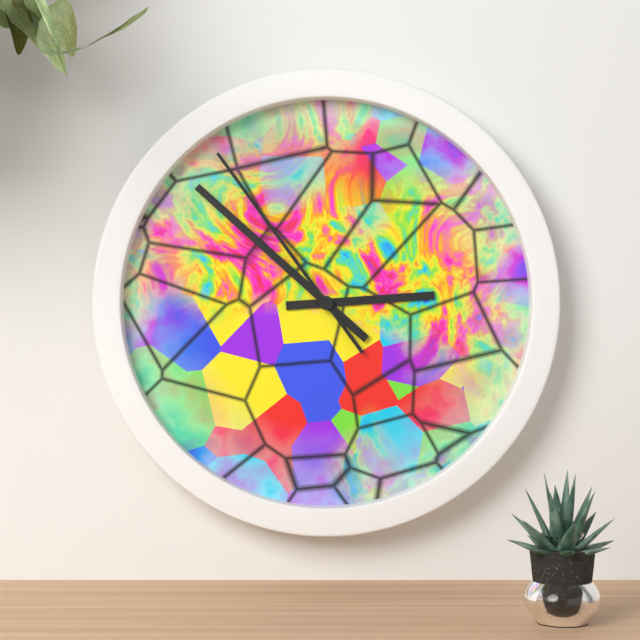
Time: **2:52:54**
